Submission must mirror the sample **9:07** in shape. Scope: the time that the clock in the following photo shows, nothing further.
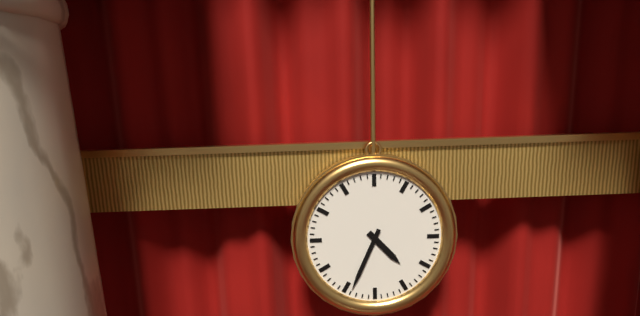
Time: **4:34**
